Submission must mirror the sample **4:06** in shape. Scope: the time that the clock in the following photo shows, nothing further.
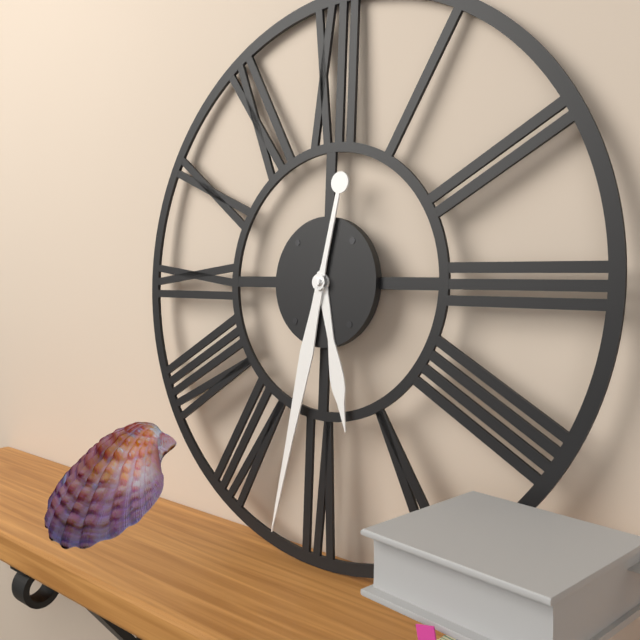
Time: **5:32**
